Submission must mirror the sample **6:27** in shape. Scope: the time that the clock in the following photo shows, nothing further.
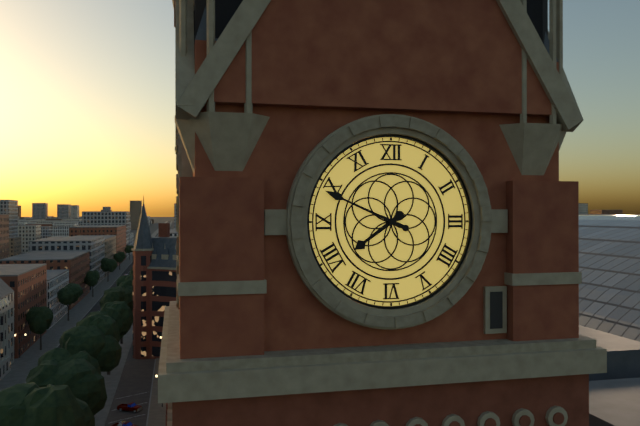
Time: **7:49**
